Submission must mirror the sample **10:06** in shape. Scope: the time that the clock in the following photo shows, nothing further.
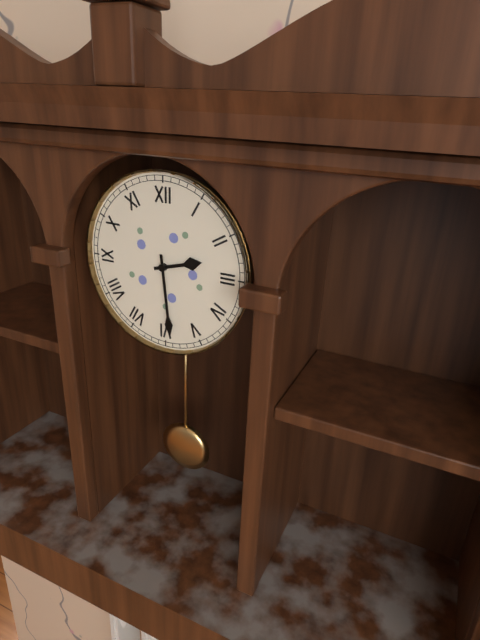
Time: **2:29**
